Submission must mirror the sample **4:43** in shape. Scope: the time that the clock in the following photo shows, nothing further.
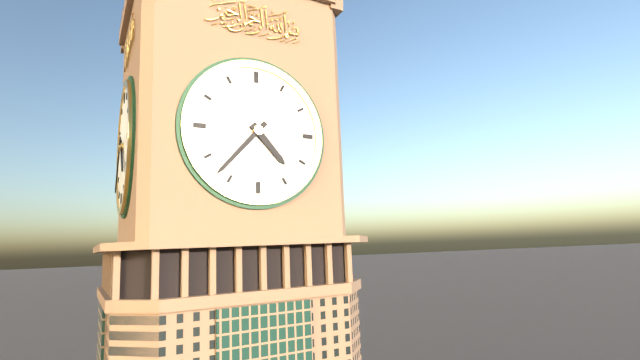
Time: **4:37**
